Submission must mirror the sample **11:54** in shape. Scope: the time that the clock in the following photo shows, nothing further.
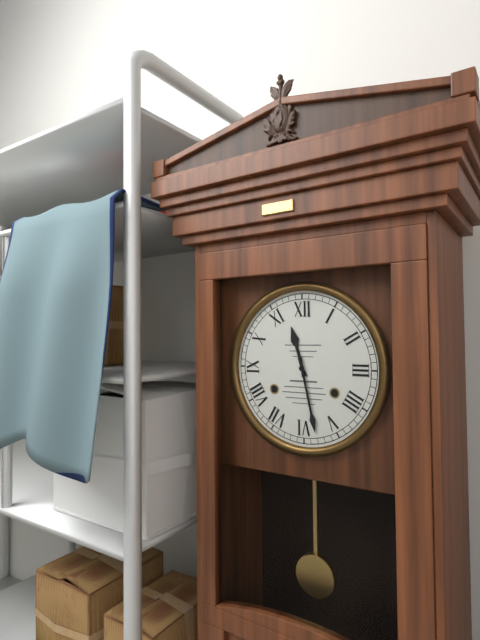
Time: **11:28**
